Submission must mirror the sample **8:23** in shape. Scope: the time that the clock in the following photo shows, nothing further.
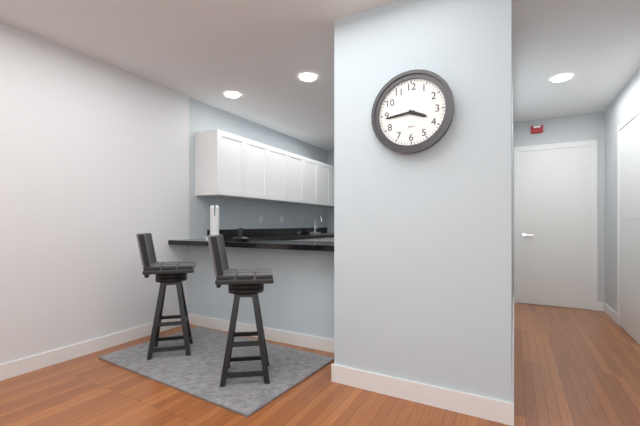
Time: **3:44**
